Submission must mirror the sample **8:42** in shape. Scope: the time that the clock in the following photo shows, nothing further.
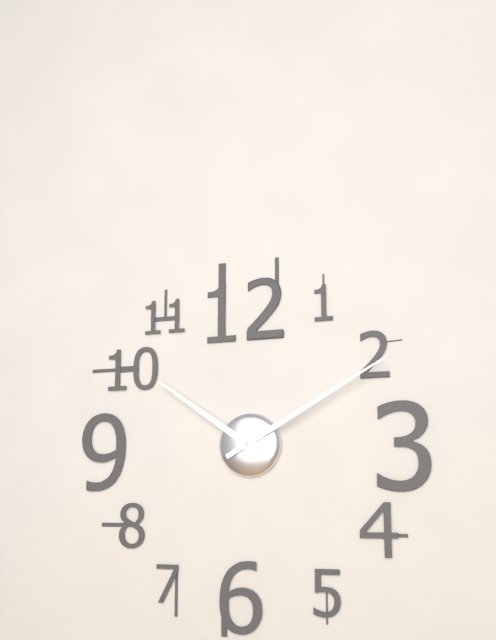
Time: **10:10**
